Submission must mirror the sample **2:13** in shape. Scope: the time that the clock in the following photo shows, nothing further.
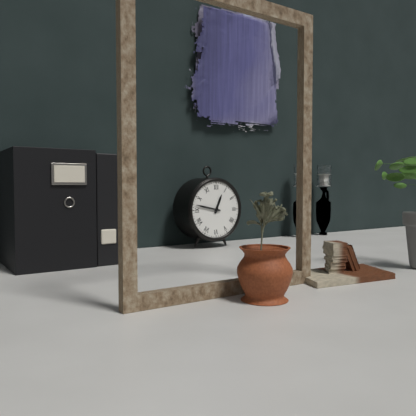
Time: **12:47**
